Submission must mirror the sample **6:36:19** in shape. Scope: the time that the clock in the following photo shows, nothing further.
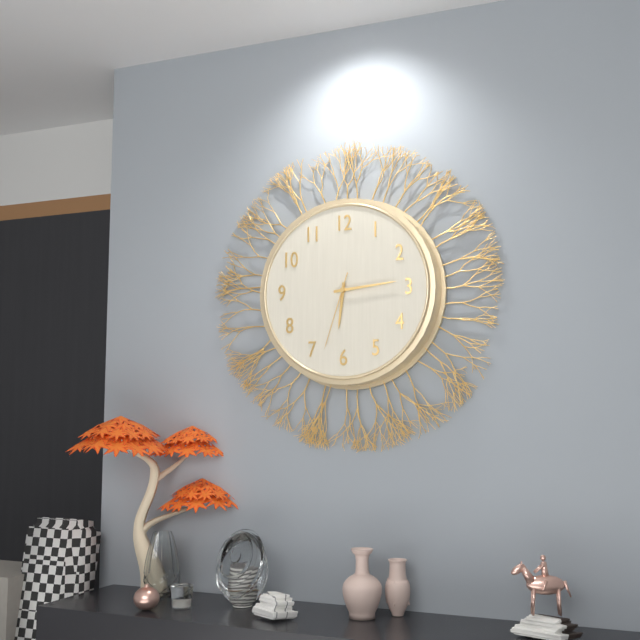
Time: **6:14:33**
